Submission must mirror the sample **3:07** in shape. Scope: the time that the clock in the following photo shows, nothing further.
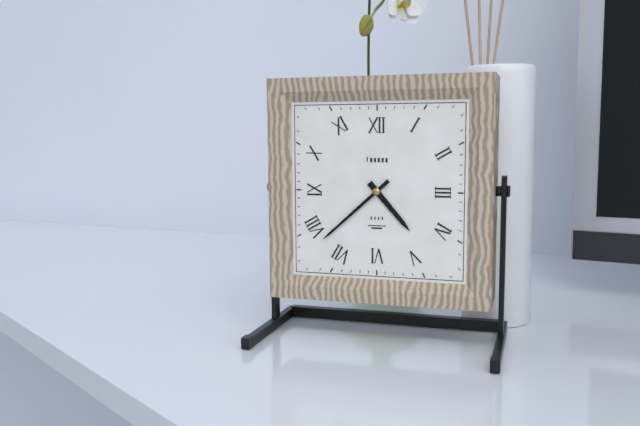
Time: **4:38**
